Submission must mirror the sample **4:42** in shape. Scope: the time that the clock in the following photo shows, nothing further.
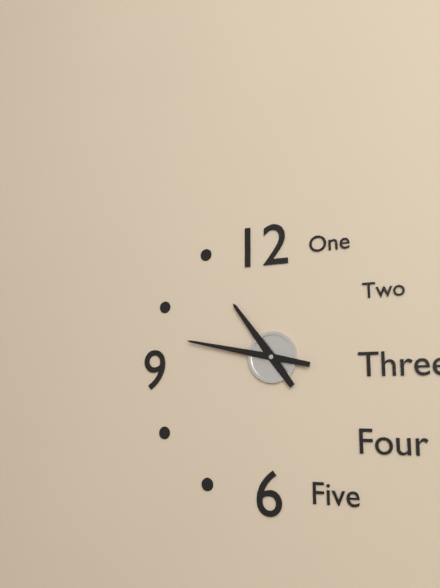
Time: **10:47**
